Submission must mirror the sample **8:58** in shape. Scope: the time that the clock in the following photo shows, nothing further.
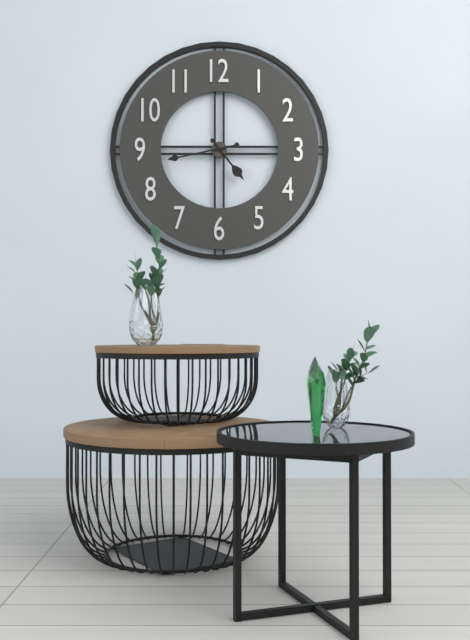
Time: **4:43**
